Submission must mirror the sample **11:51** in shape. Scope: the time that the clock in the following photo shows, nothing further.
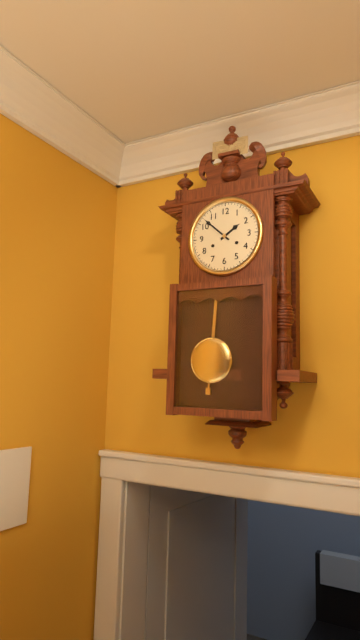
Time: **1:52**
